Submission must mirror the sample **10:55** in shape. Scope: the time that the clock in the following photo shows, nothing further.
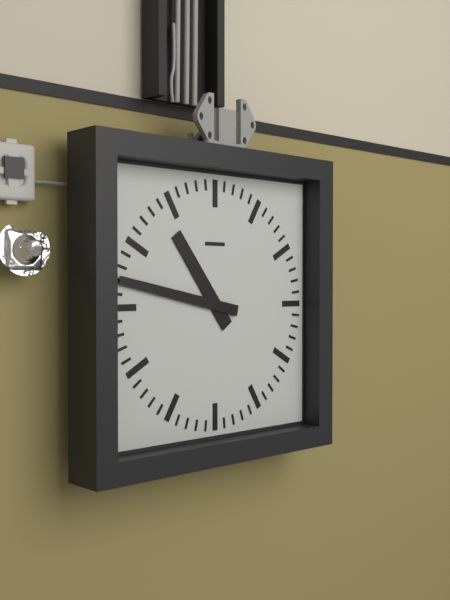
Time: **10:47**
